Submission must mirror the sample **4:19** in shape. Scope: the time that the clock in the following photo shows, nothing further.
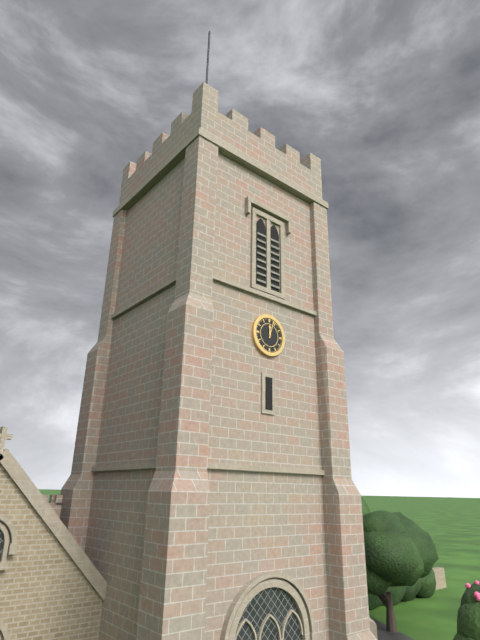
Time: **12:03**
